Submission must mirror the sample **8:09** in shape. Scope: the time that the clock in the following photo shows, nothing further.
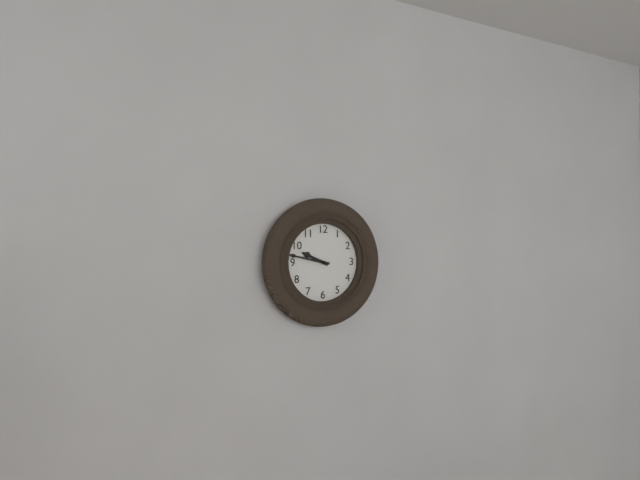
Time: **9:47**
